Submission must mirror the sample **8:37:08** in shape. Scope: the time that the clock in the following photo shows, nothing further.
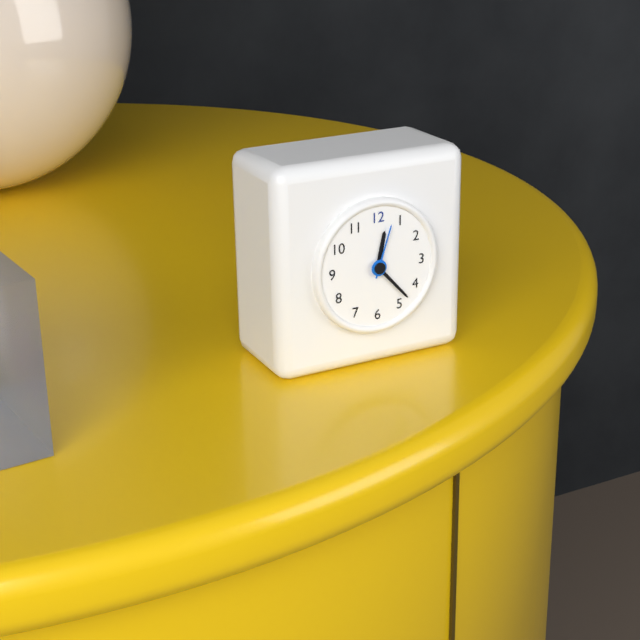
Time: **12:23:03**
